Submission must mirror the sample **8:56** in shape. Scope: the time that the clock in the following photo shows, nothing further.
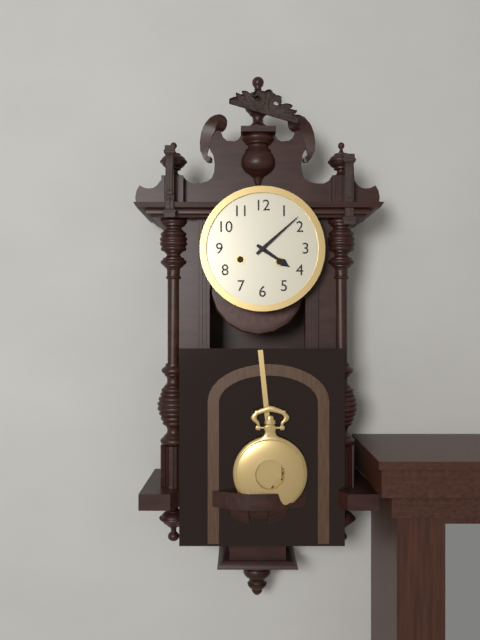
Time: **4:08**
